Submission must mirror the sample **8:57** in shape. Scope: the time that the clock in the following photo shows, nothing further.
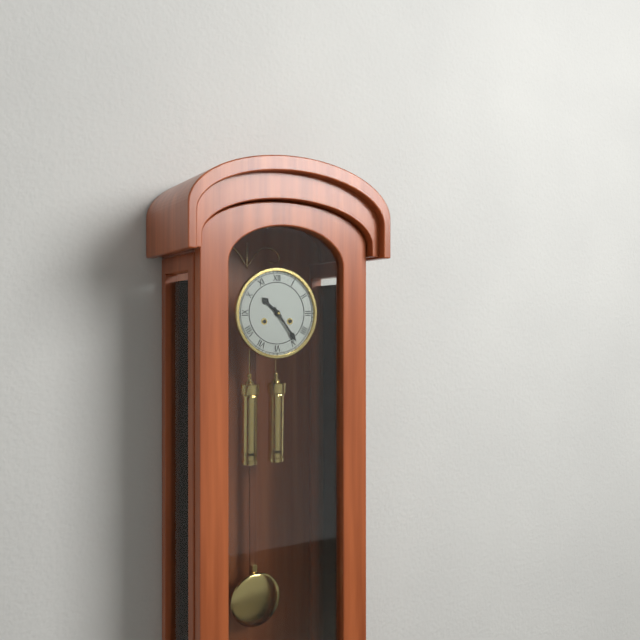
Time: **10:24**
